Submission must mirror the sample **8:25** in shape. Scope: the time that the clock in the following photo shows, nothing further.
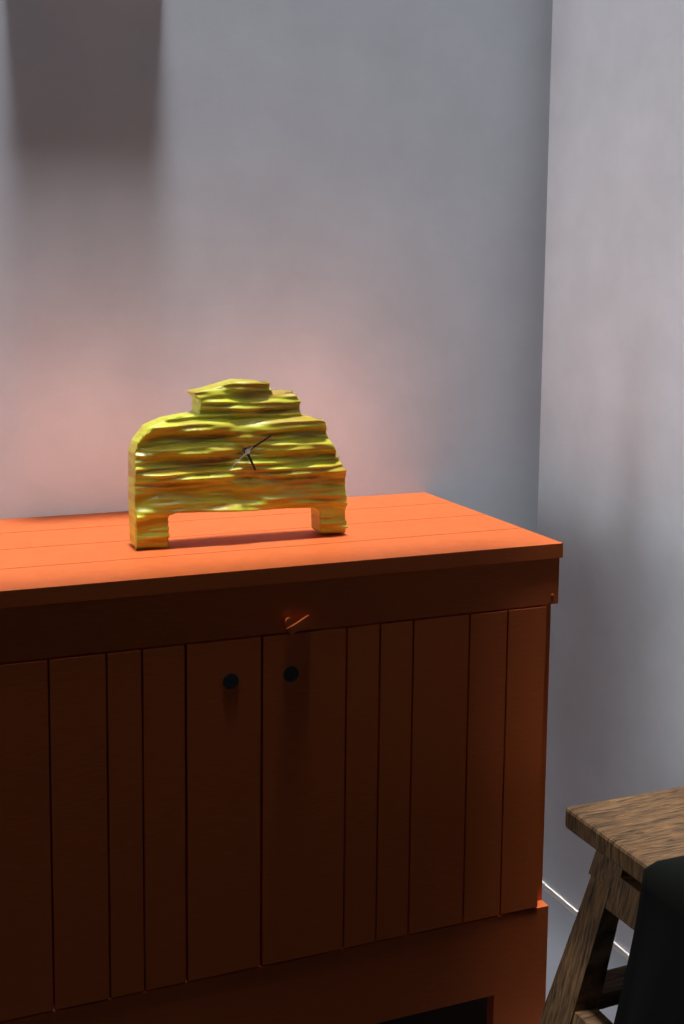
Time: **5:10**
